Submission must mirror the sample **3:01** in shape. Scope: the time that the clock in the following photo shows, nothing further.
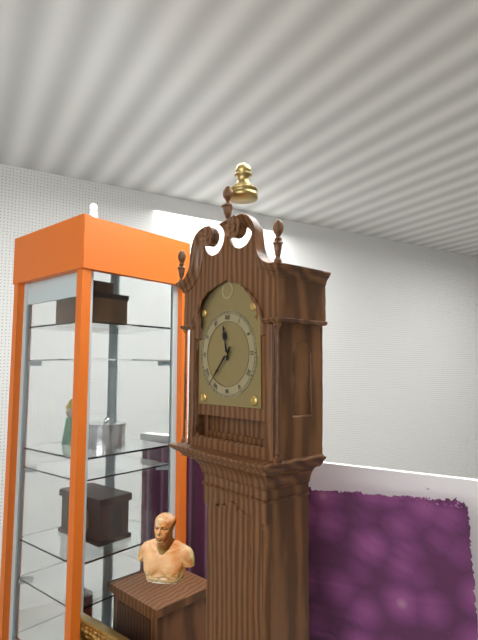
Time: **11:37**
